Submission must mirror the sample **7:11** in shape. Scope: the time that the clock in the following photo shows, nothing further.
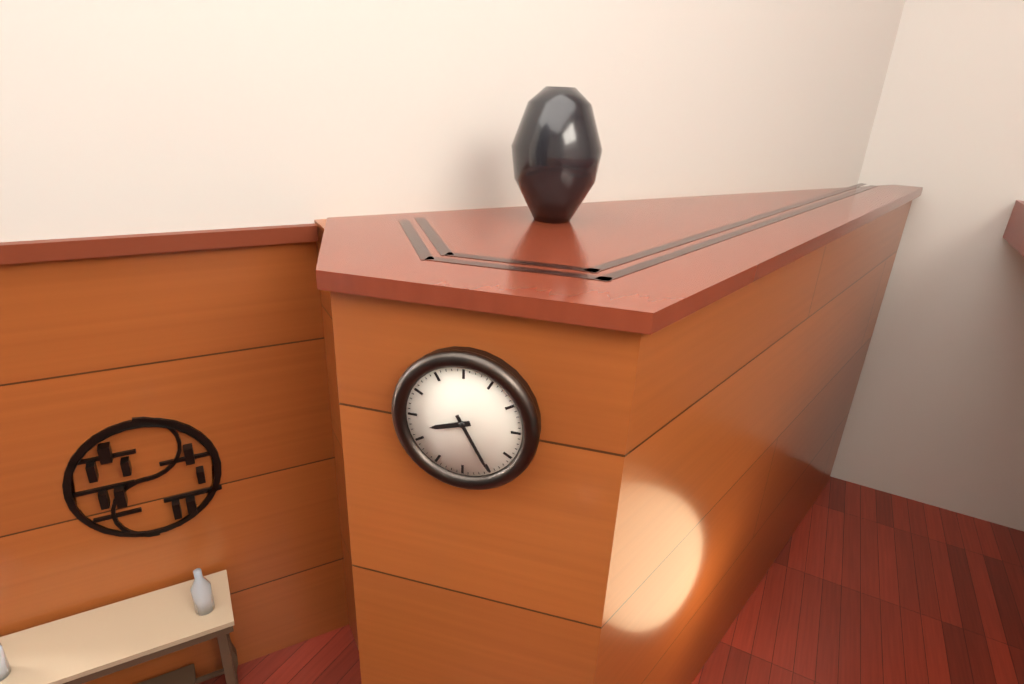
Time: **8:25**
